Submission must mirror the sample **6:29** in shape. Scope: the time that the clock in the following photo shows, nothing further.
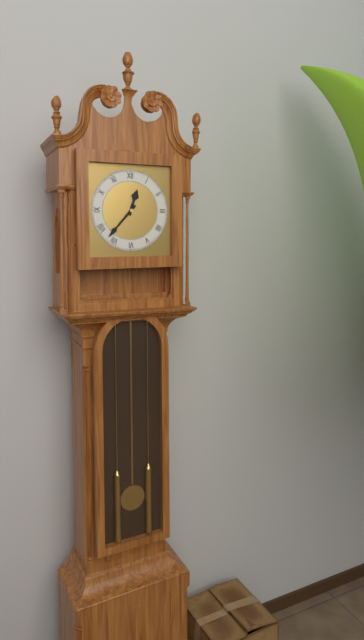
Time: **12:37**
